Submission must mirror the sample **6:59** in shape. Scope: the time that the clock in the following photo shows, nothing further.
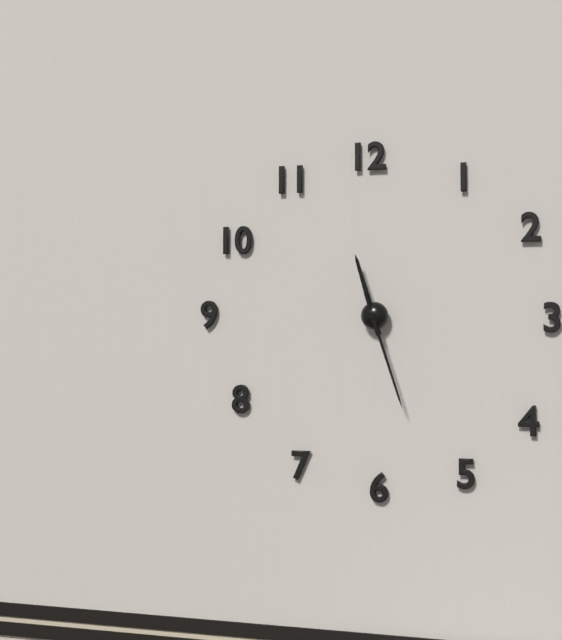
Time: **11:27**
